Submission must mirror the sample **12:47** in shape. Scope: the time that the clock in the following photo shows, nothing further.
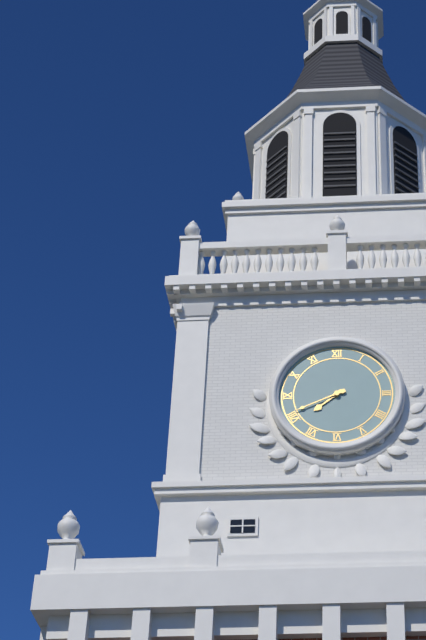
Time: **7:41**
